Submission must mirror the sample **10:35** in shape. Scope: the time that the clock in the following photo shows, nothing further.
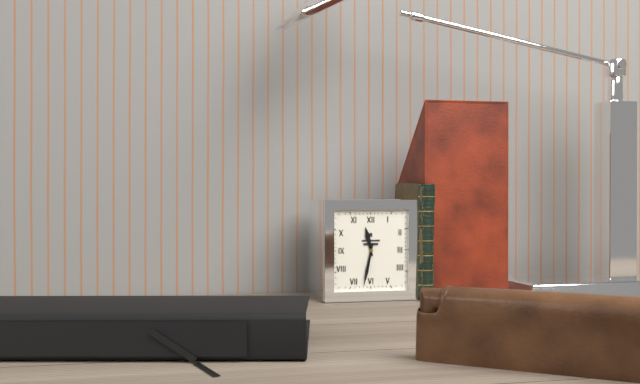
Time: **11:32**
